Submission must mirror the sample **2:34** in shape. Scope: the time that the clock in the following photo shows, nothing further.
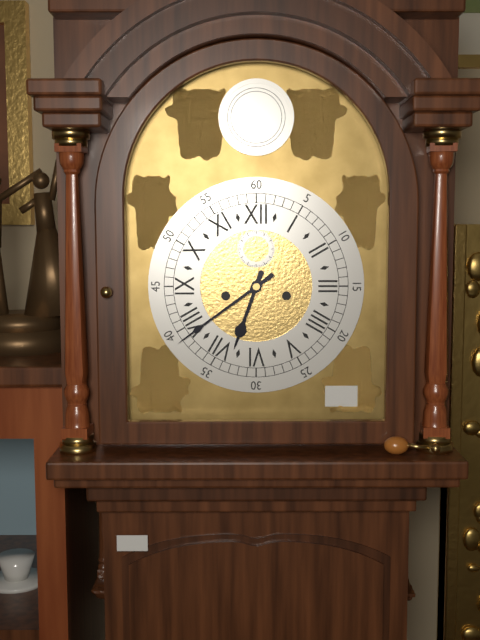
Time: **6:39**
